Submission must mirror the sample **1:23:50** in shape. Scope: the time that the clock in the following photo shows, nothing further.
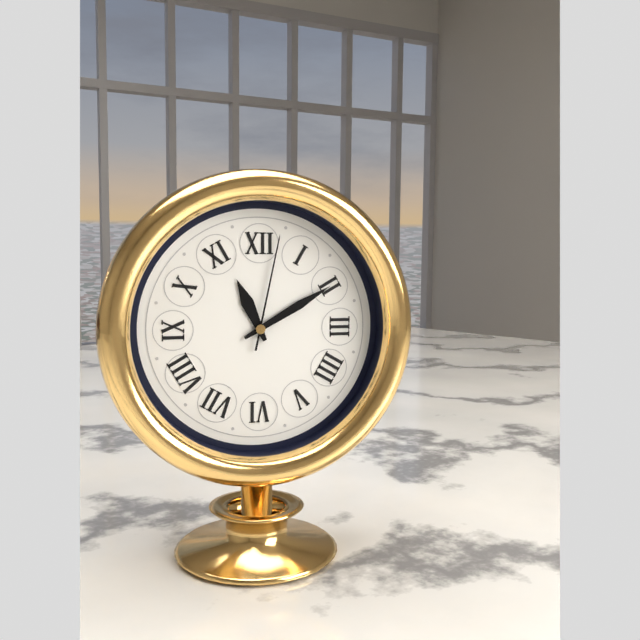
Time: **11:10:02**
